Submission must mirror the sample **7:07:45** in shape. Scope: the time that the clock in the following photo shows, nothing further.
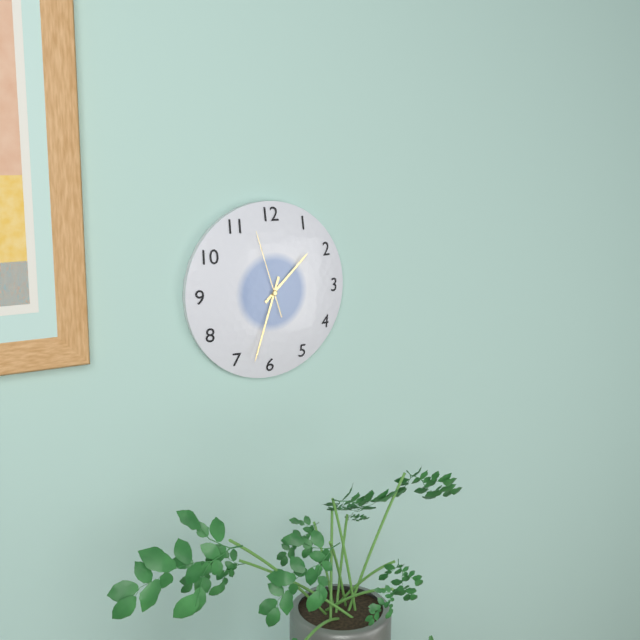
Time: **1:33:57**
